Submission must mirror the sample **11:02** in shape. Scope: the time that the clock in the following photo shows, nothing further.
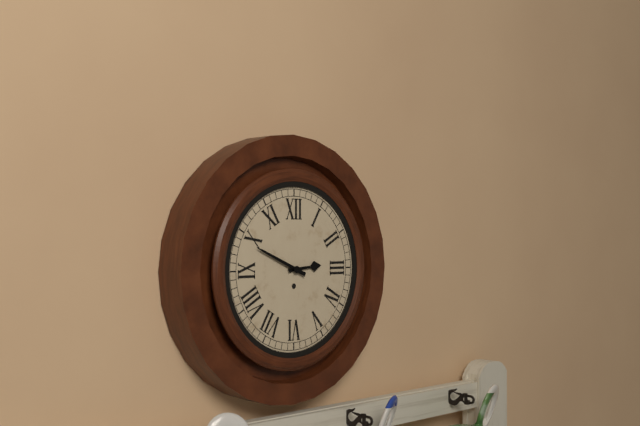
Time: **2:49**
